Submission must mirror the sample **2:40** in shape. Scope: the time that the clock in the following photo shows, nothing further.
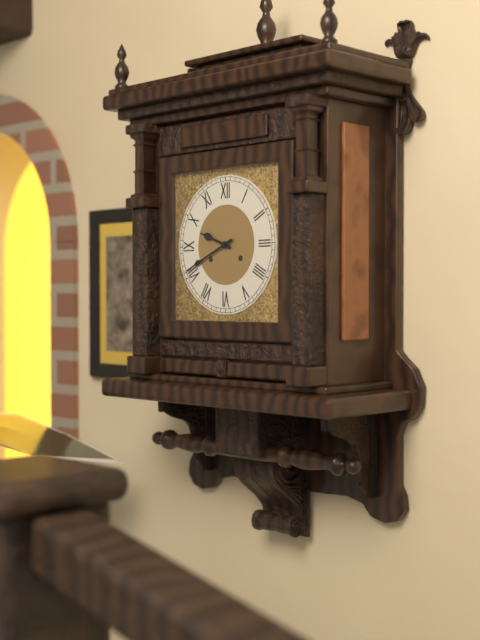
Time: **9:41**
